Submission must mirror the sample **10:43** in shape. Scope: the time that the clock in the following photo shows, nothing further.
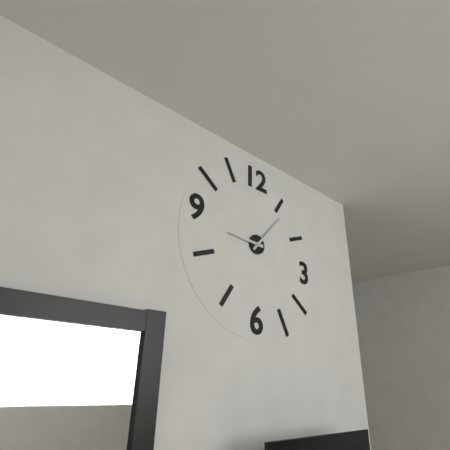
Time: **9:07**
